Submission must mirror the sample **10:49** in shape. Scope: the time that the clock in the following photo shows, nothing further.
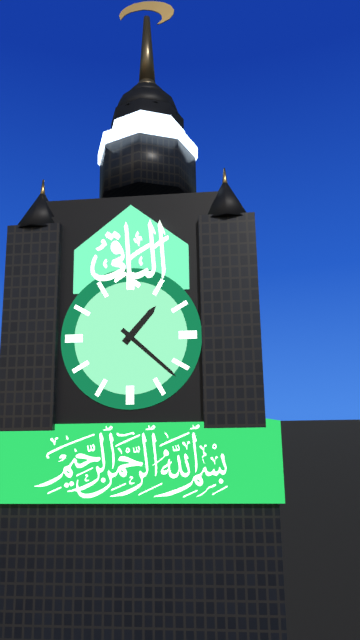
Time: **1:22**
